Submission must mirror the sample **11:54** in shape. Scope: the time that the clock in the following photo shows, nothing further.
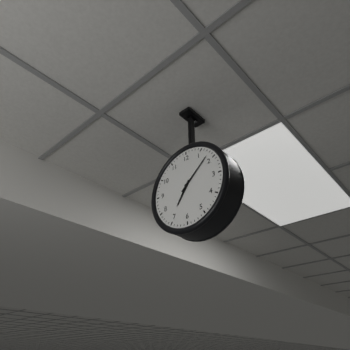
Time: **7:08**
